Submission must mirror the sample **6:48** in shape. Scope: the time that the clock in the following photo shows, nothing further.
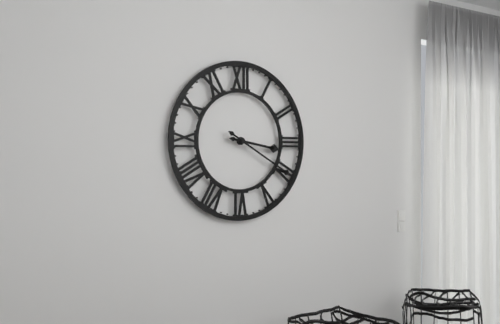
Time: **3:20**
